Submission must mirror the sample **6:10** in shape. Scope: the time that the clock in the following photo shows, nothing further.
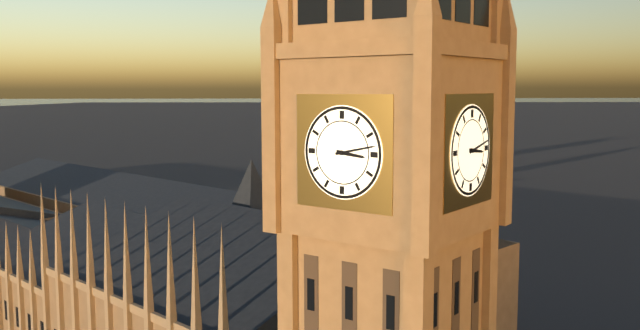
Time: **3:13**
